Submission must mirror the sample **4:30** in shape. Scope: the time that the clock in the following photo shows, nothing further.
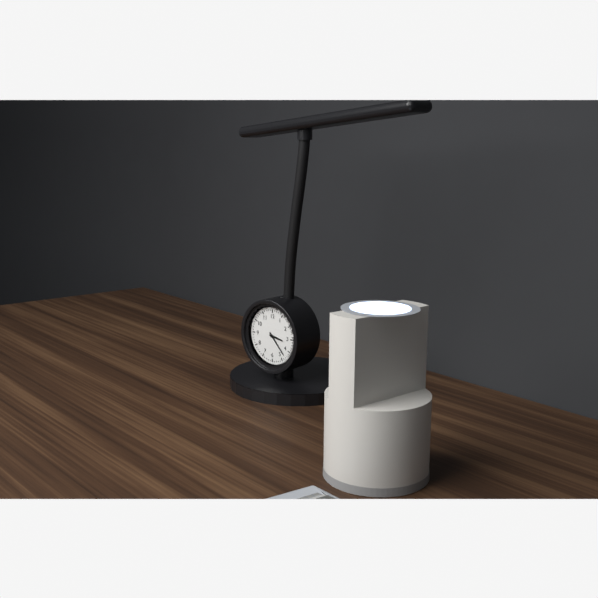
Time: **3:23**
